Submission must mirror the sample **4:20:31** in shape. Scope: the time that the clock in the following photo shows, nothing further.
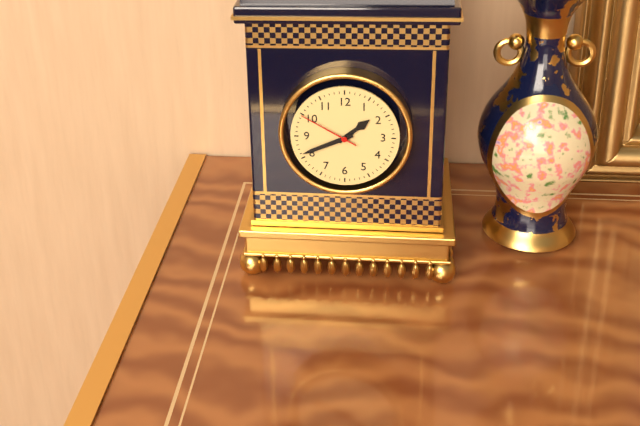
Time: **1:41:50**
